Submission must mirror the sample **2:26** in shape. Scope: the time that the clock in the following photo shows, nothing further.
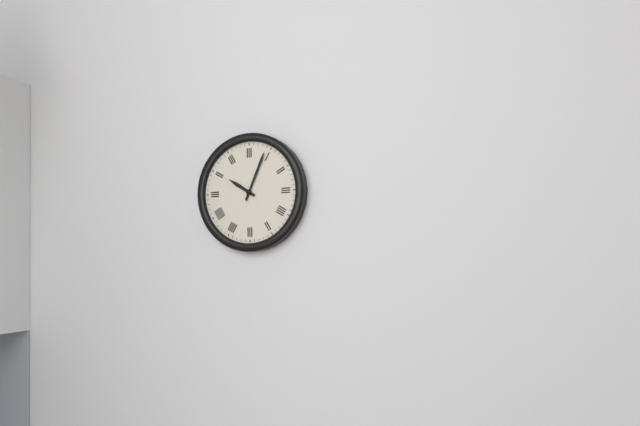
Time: **10:04**
